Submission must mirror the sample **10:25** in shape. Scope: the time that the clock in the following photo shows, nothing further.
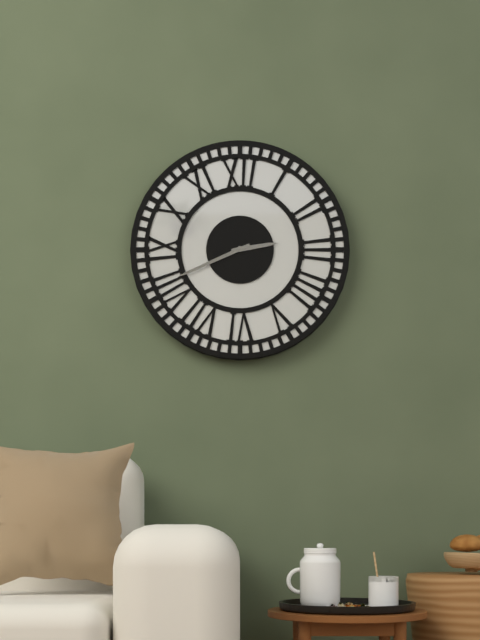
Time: **2:41**
